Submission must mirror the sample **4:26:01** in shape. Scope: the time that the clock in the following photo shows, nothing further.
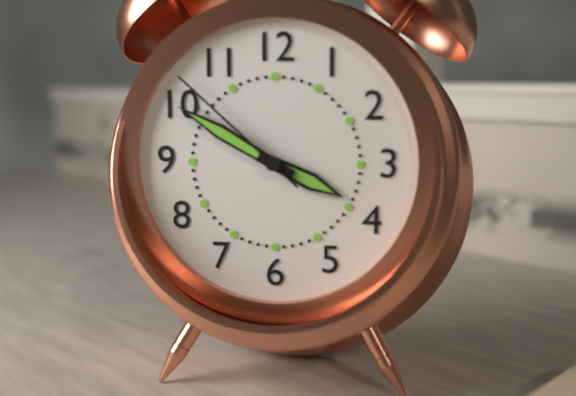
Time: **3:50:52**
